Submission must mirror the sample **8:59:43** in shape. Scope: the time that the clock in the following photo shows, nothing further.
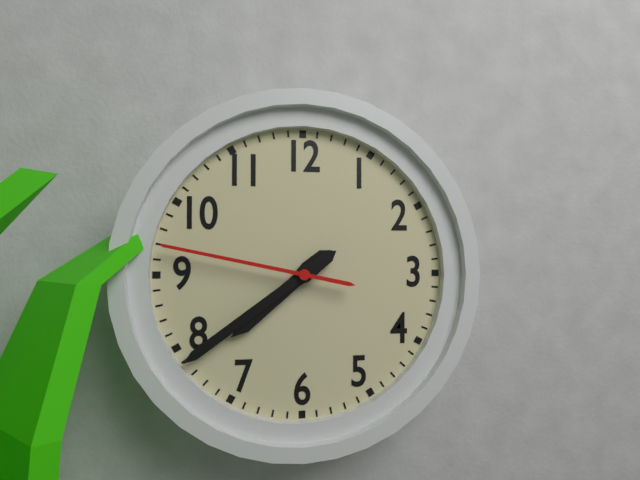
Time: **7:39:47**
